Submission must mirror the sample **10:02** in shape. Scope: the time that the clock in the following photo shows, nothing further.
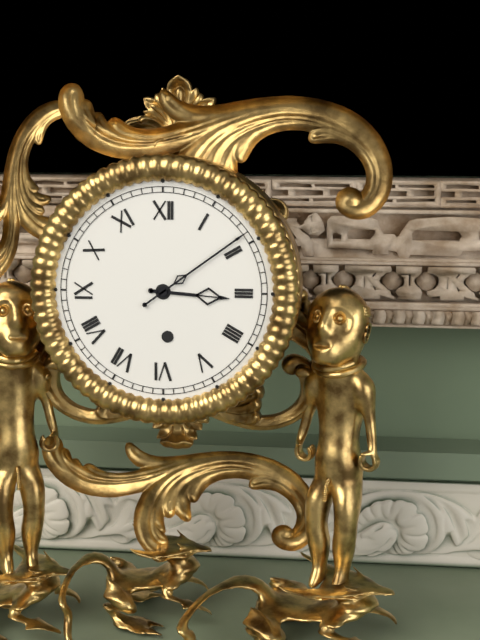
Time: **3:09**
